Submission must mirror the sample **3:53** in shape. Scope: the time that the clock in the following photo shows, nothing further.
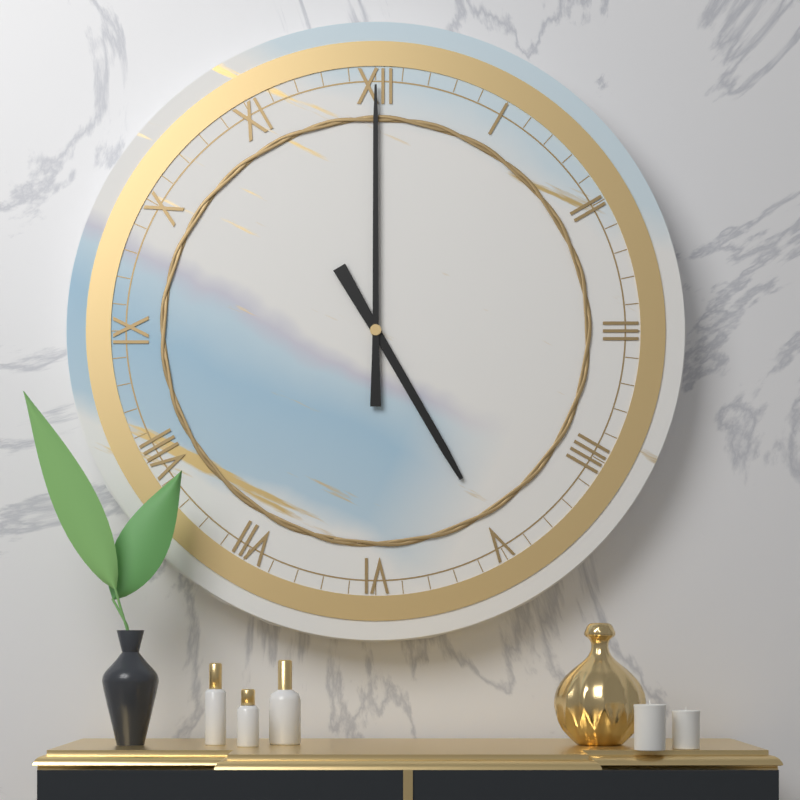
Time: **5:00**
